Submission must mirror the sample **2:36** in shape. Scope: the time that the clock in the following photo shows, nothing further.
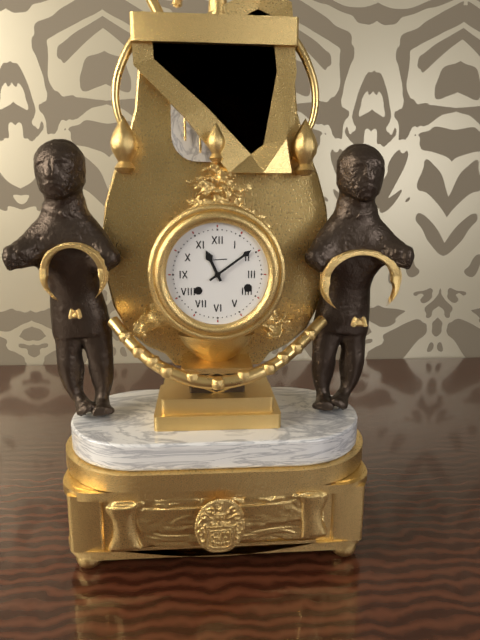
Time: **11:09**
